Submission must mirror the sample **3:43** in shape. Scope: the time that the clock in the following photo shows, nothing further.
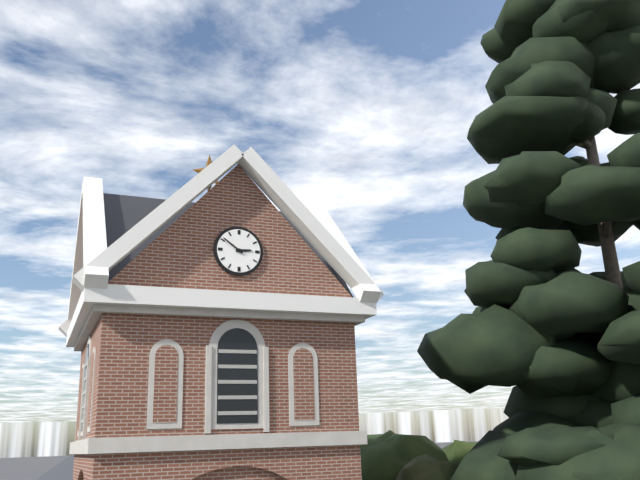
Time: **2:51**
